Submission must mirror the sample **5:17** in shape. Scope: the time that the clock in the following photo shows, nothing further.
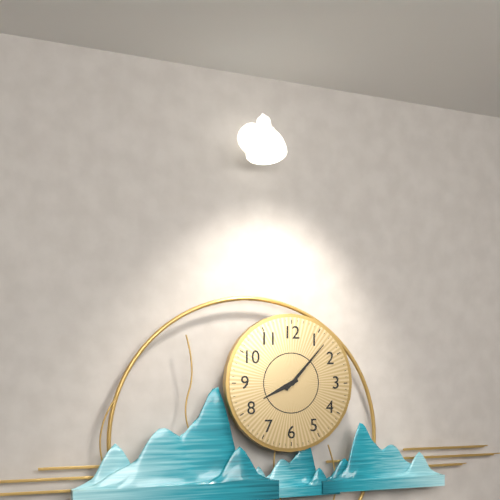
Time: **8:07**
